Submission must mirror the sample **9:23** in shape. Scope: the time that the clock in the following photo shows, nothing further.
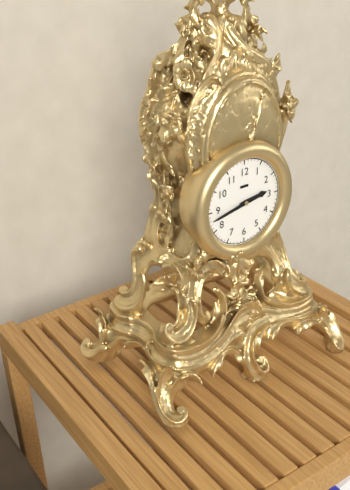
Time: **2:43**
